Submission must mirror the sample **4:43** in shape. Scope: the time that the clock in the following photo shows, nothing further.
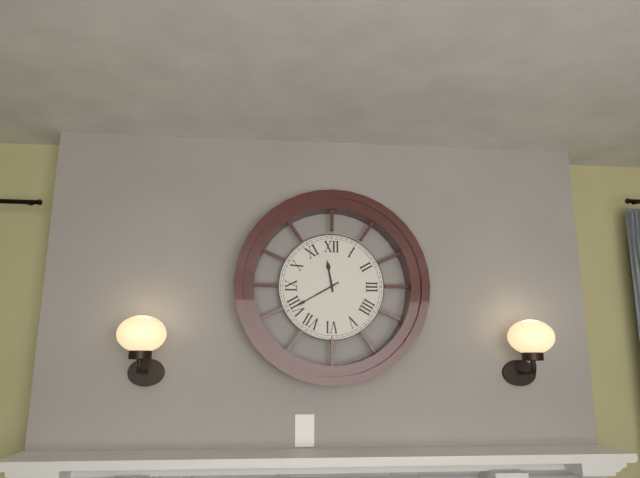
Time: **11:40**
